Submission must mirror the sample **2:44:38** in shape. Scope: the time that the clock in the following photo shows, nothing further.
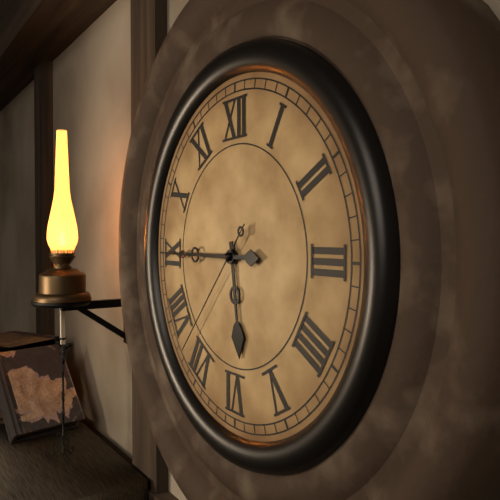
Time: **5:45:37**
